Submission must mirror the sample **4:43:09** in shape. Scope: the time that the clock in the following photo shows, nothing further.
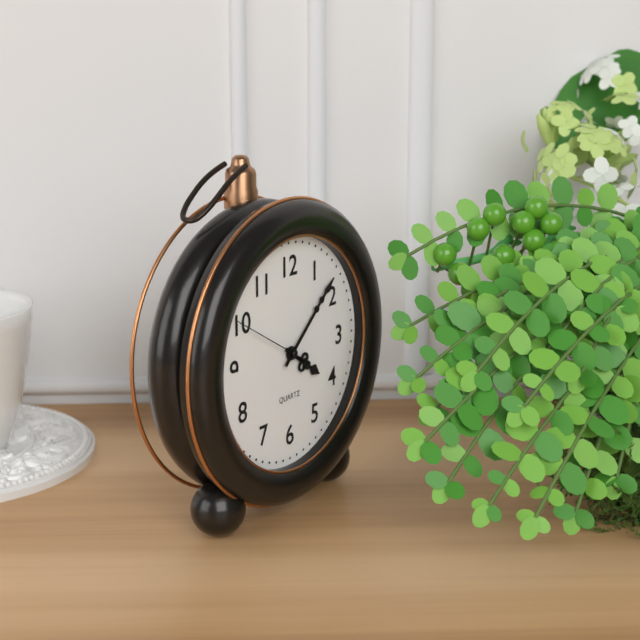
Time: **4:08:50**
